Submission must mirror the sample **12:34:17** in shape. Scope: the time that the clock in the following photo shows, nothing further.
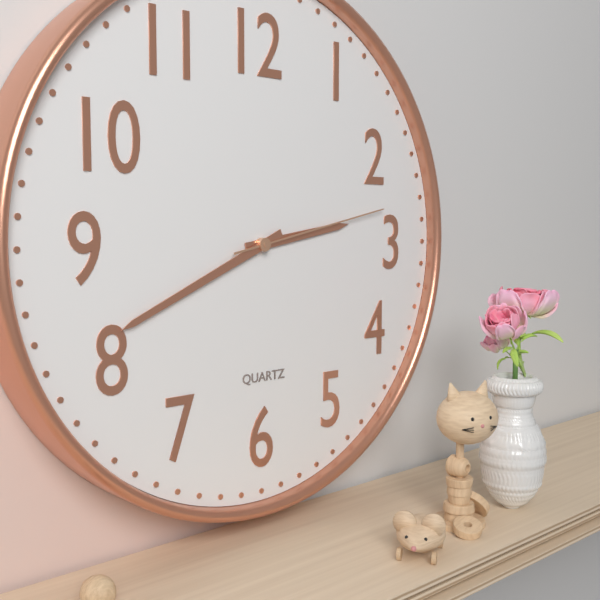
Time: **2:41:13**
